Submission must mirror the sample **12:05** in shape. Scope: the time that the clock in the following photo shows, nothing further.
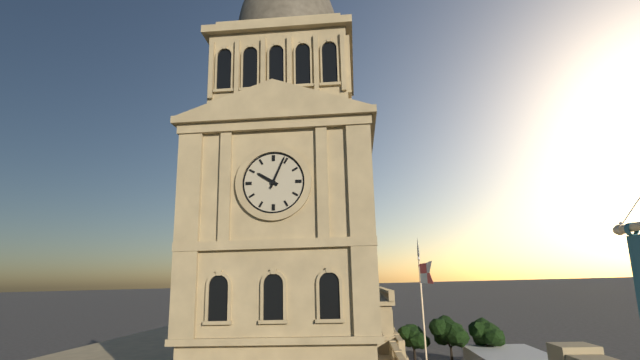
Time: **10:04**
